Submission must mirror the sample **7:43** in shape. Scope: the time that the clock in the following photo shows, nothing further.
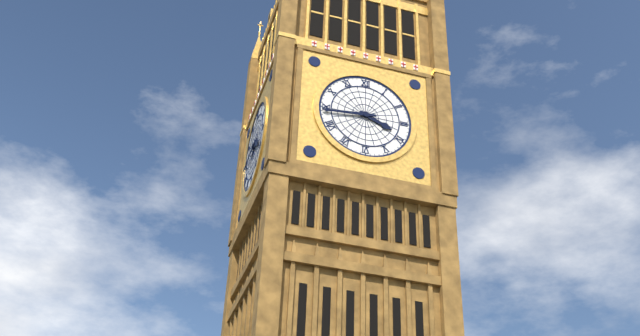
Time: **3:44**
